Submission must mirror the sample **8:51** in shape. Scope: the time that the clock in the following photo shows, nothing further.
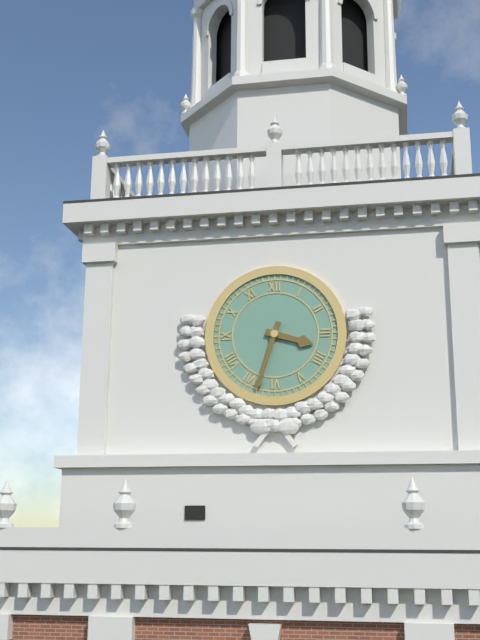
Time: **3:33**
